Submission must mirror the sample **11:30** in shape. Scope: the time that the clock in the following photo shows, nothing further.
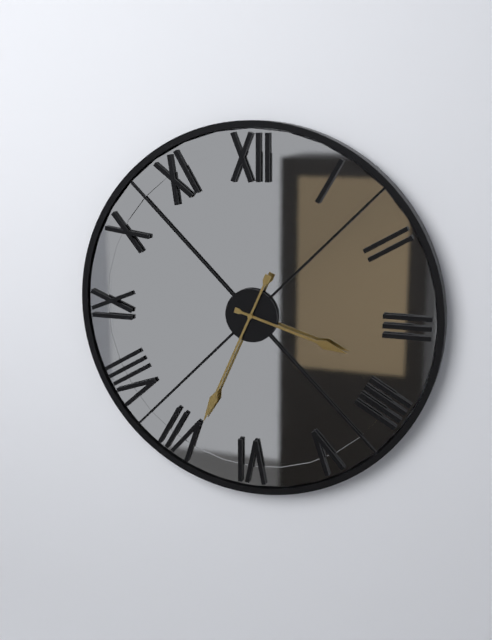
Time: **3:34**
